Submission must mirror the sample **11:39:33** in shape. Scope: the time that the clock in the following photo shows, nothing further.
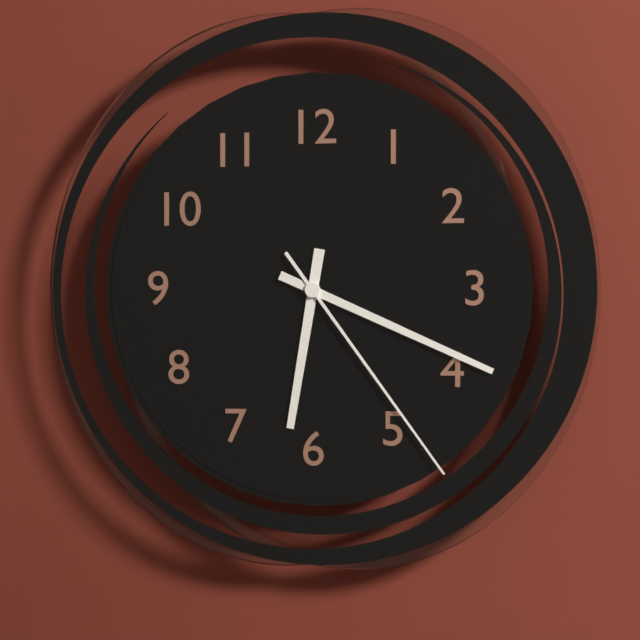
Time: **6:19:24**
